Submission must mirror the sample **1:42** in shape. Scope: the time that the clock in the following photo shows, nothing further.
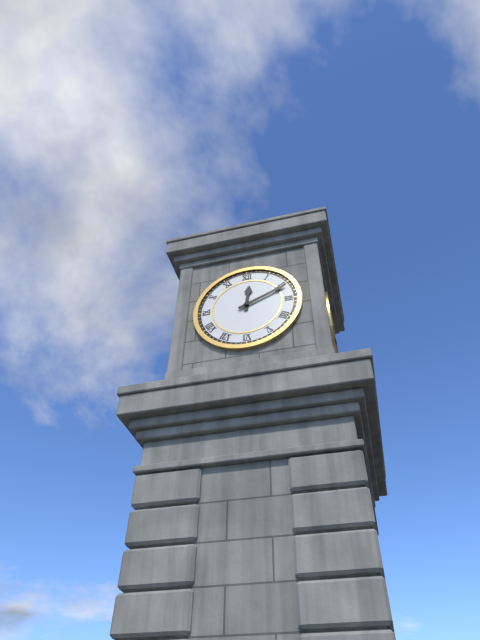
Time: **12:11**
